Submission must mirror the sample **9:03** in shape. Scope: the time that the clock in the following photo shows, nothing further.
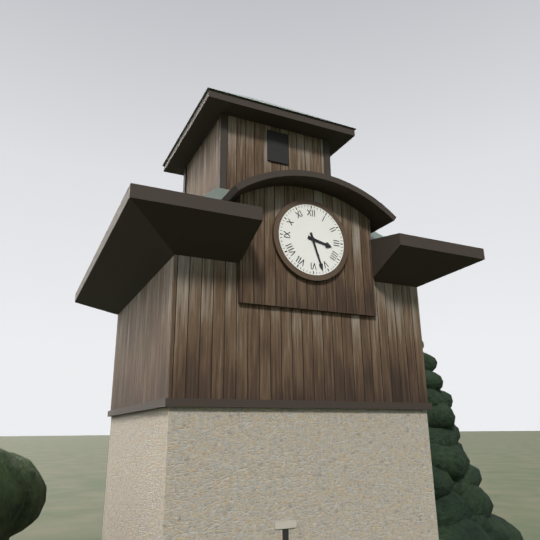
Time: **3:27**
